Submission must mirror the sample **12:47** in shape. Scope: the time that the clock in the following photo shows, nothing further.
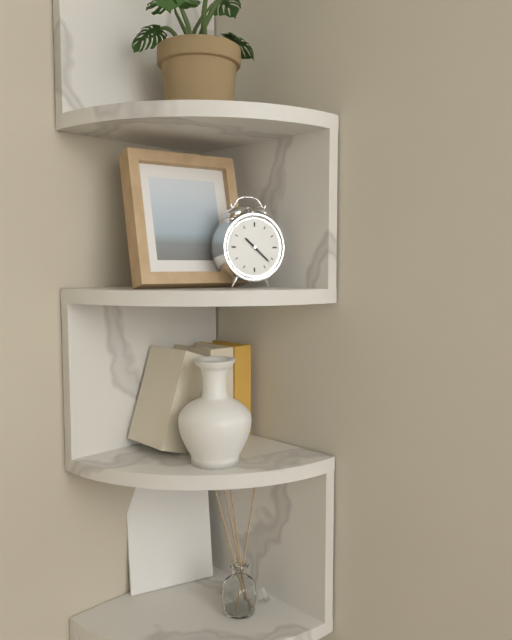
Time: **10:22**
